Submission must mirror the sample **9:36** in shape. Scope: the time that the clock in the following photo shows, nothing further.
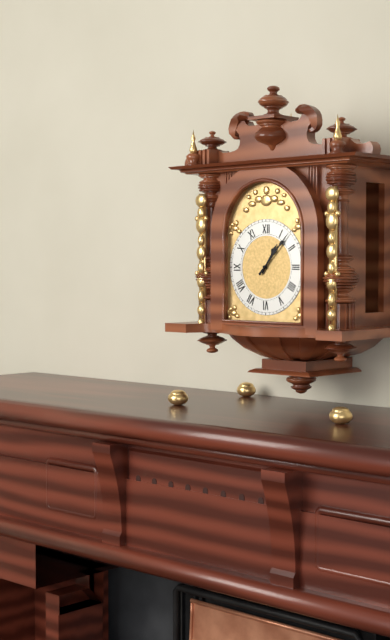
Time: **1:07**
